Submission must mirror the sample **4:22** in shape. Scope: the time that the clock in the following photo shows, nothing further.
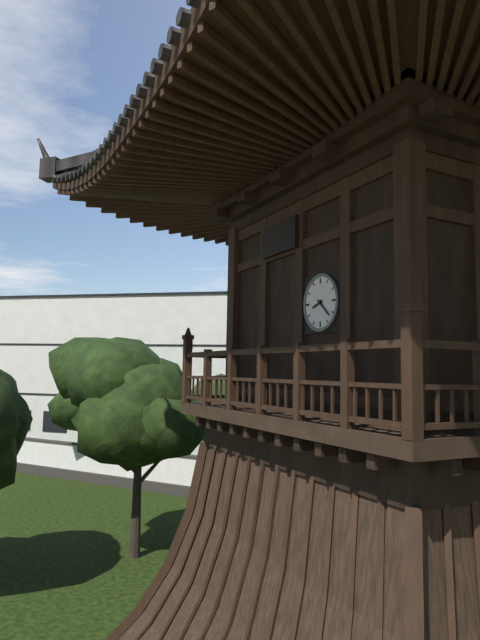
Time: **8:22**
